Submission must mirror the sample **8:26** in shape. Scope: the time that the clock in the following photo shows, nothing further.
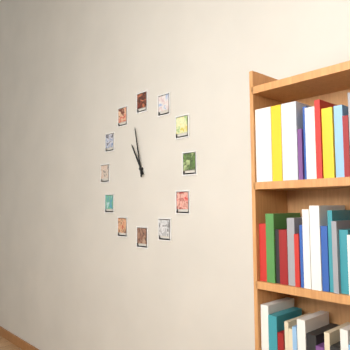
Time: **10:58**
